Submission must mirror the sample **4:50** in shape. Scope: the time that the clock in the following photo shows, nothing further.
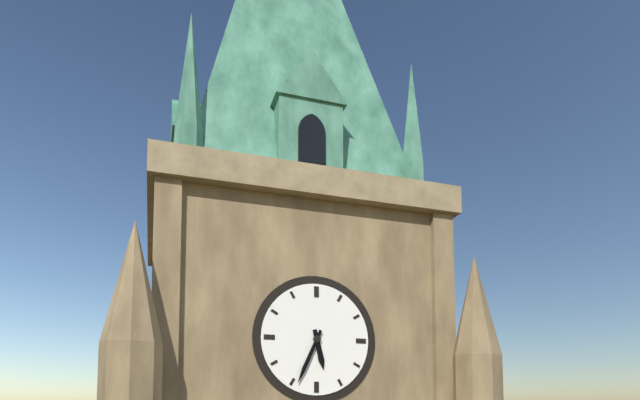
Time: **5:34**
